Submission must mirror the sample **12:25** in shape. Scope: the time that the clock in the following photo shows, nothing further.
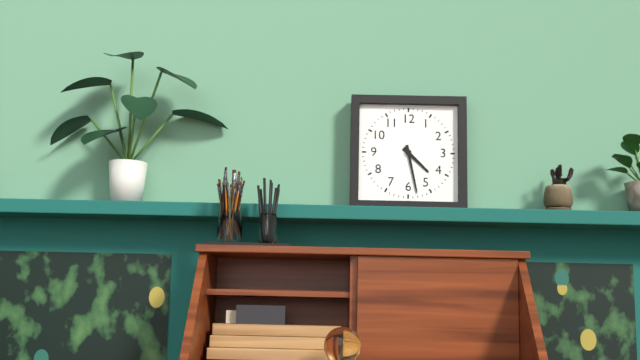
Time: **4:28**
